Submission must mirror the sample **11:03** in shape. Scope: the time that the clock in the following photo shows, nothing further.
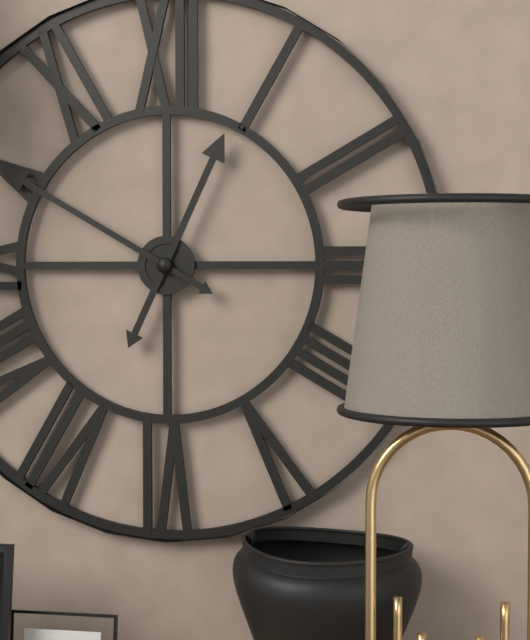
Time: **12:50**
